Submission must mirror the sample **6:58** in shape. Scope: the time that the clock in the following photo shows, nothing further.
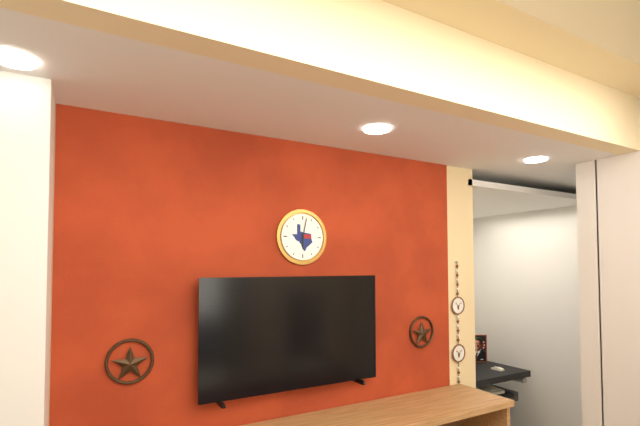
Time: **6:02**
